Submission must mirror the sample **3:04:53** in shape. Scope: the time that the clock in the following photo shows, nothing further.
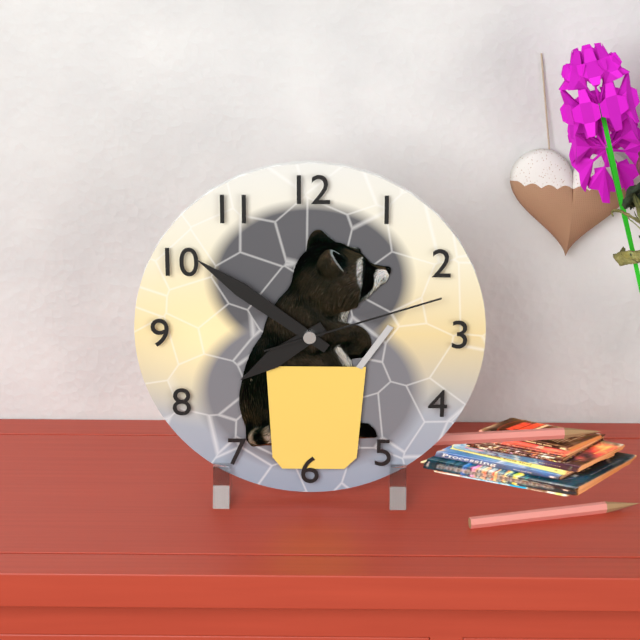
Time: **7:51:12**
